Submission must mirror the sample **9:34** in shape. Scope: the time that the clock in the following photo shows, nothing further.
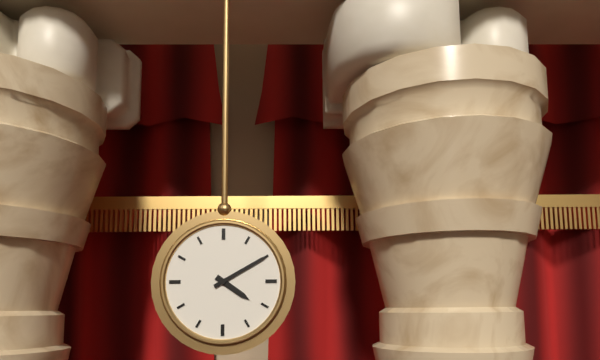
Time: **4:10**
